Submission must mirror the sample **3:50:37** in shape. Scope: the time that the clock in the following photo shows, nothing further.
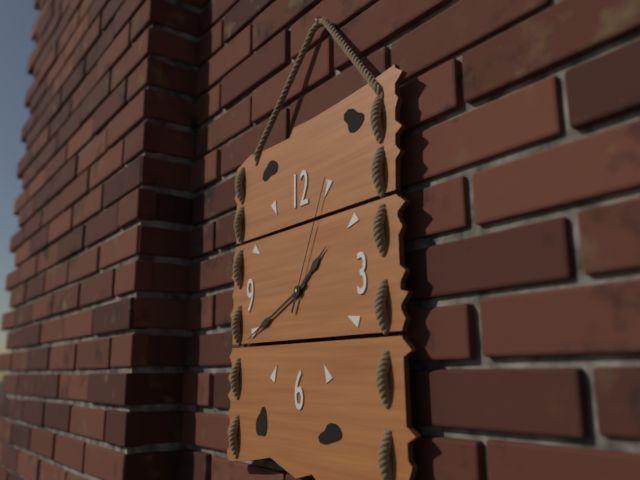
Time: **1:41:04**
